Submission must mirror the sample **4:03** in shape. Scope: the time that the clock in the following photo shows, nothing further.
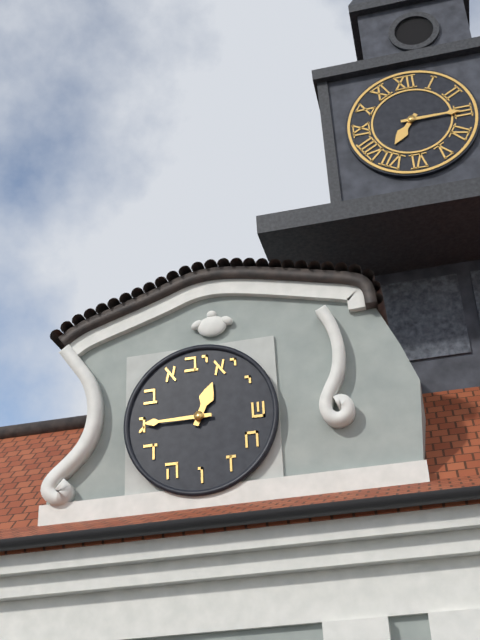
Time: **12:45**
